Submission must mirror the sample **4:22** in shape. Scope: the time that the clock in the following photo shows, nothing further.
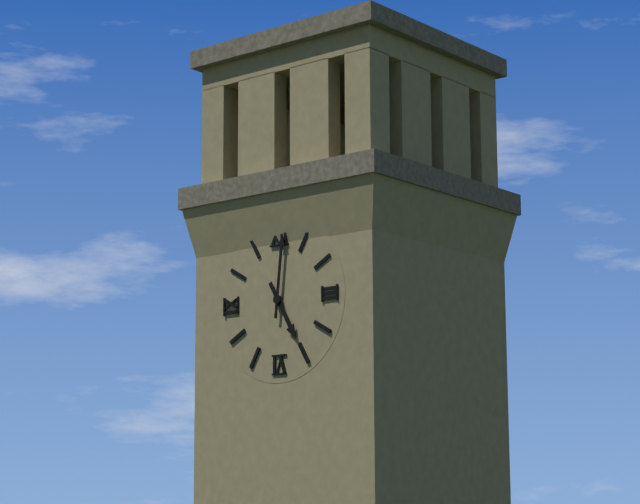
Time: **5:01**
